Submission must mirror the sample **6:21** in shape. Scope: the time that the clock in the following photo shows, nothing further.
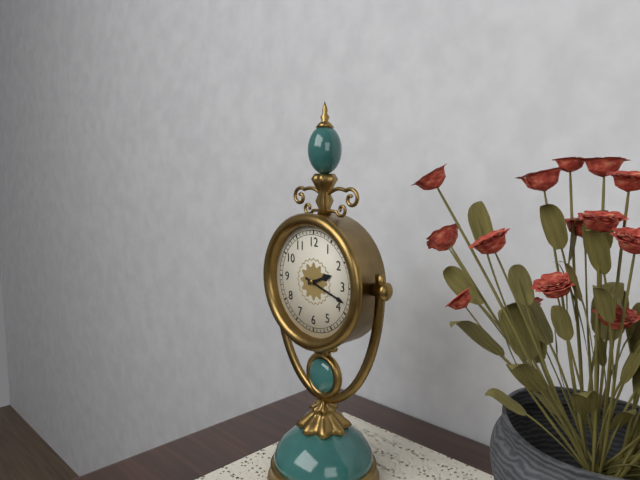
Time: **2:18**
